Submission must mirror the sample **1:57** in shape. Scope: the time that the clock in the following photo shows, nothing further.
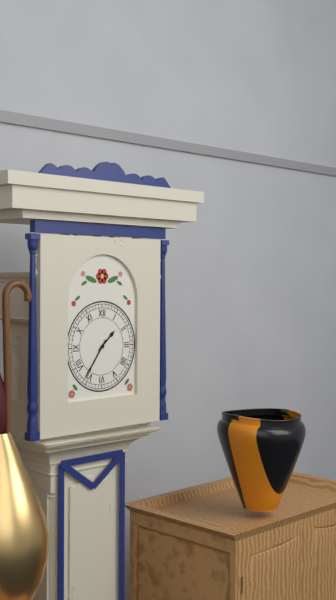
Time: **1:36**
